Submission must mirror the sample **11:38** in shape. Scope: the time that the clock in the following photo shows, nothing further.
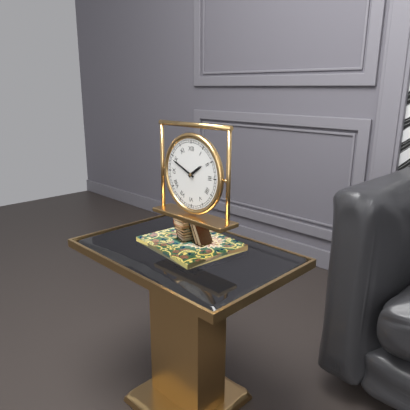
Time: **1:49**
